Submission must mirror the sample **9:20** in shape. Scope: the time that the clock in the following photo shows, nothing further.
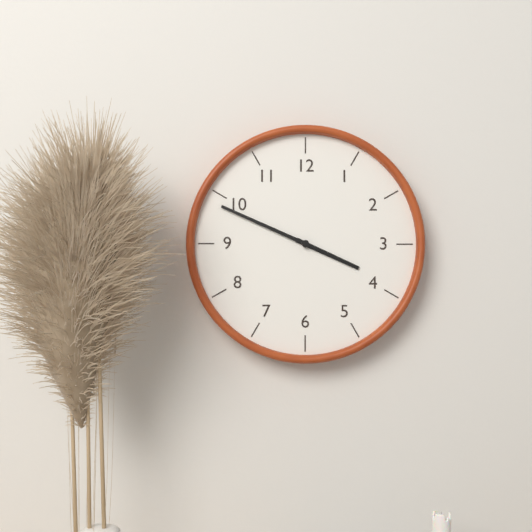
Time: **3:49**
